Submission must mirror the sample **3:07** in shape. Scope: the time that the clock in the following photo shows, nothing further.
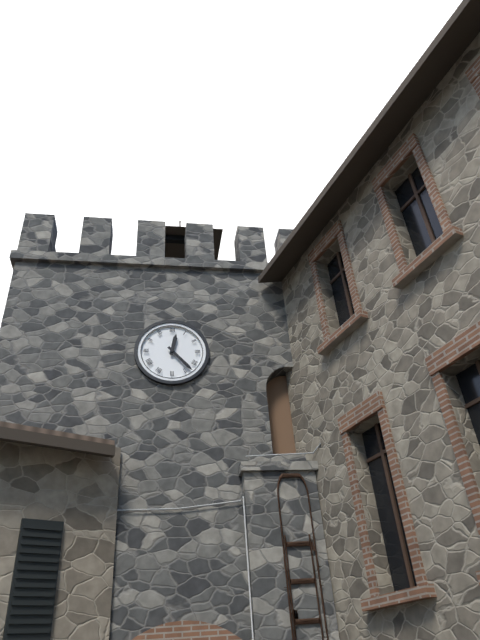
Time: **12:23**
